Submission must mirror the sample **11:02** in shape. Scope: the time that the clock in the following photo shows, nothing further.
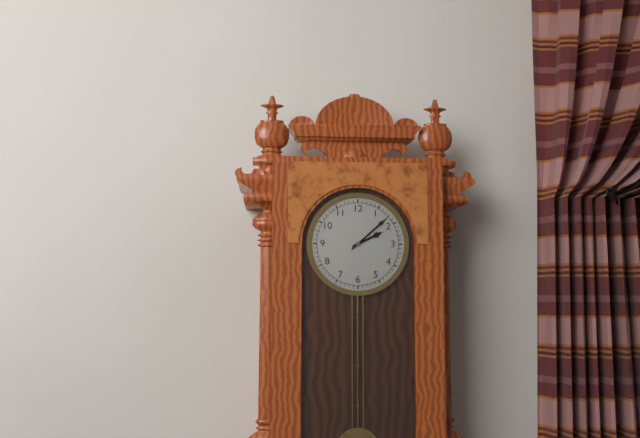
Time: **2:08**
